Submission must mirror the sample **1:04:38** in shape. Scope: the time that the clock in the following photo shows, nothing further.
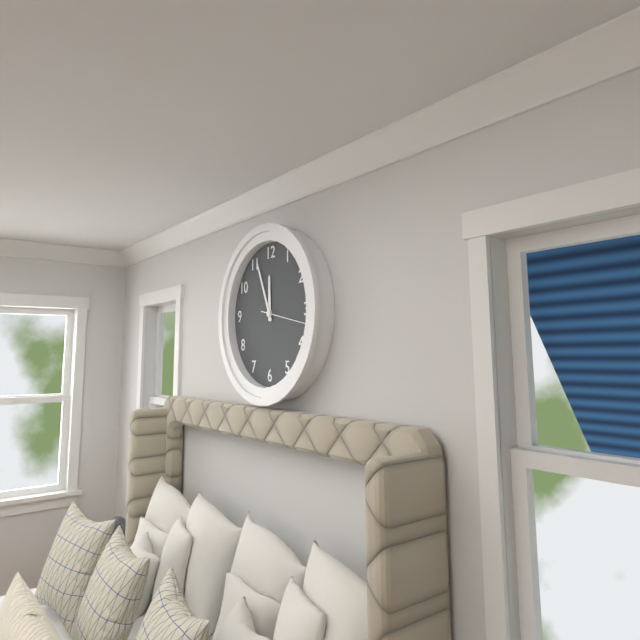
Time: **11:56:17**
